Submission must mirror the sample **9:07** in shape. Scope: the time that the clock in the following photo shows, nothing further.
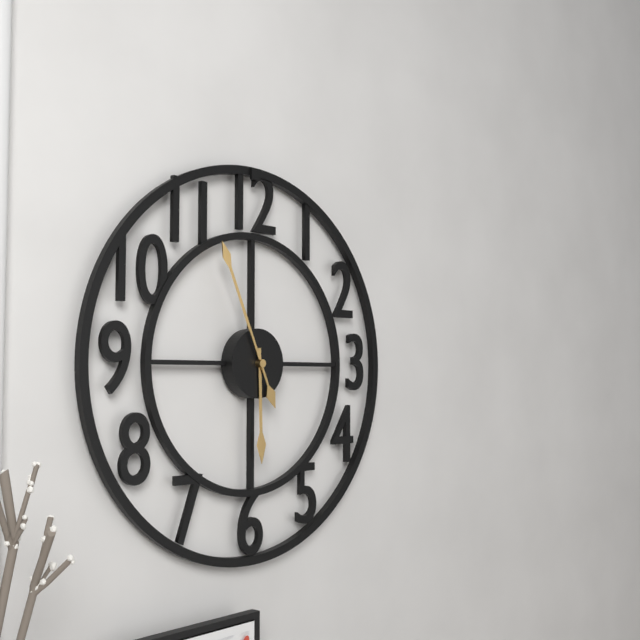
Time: **5:56**
